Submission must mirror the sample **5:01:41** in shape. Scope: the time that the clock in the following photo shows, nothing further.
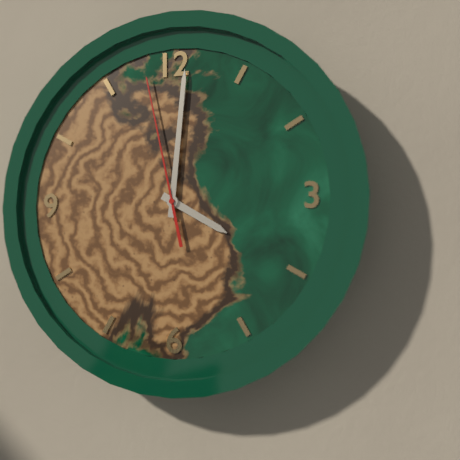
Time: **4:01:58**
